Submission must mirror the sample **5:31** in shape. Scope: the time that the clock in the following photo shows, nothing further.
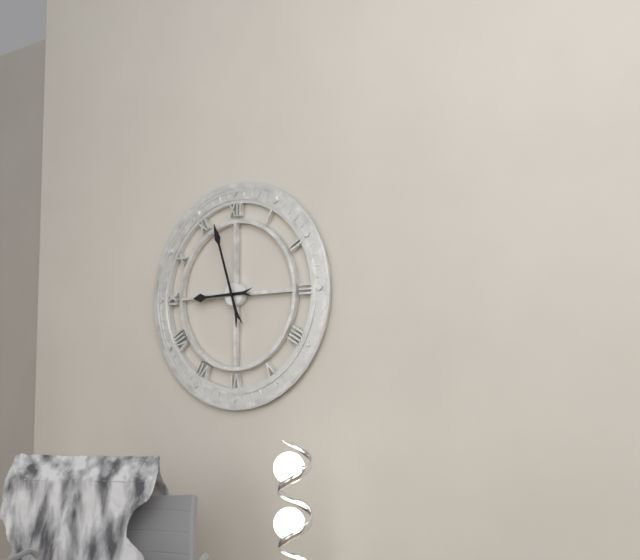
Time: **8:57**
